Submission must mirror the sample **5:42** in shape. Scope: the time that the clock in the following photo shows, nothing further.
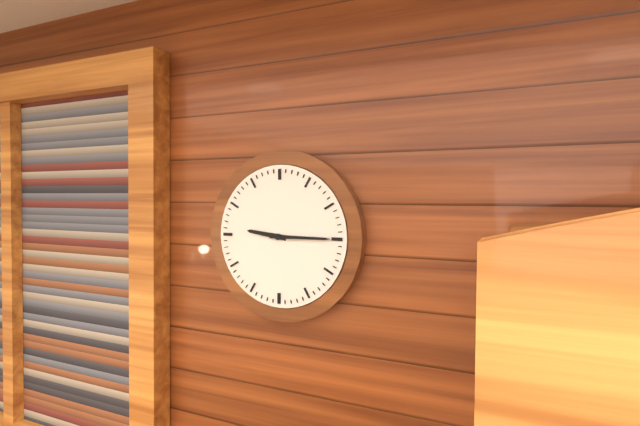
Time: **9:15**
